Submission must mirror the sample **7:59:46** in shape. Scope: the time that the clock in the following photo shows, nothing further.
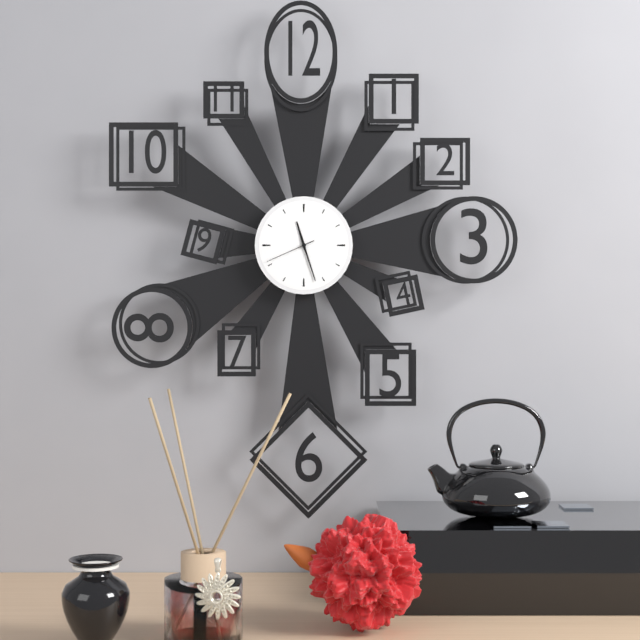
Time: **11:27:41**
